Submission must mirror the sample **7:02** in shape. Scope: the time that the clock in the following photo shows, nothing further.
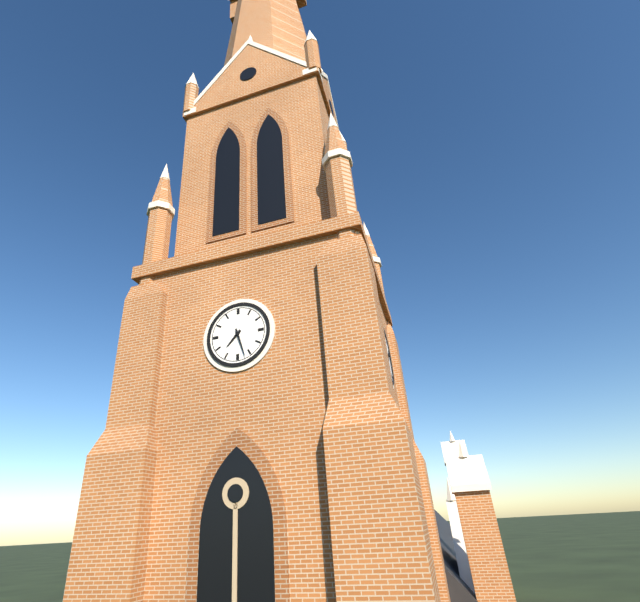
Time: **7:27**
